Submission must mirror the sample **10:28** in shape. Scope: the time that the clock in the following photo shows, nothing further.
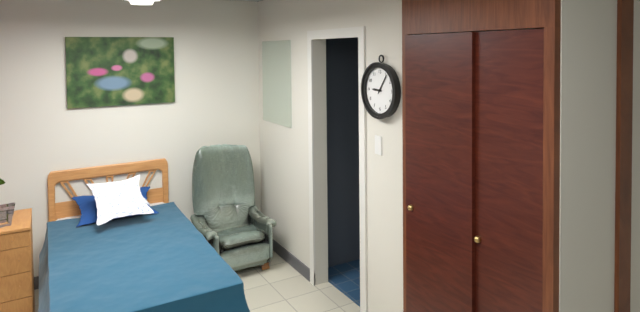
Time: **9:06**
